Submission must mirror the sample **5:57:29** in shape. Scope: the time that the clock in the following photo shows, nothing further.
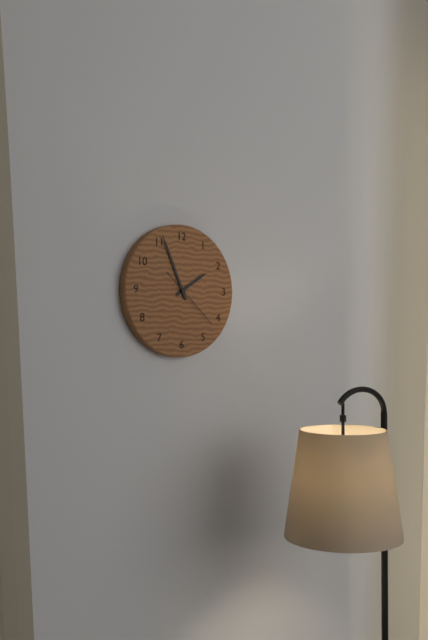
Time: **1:56:22**
